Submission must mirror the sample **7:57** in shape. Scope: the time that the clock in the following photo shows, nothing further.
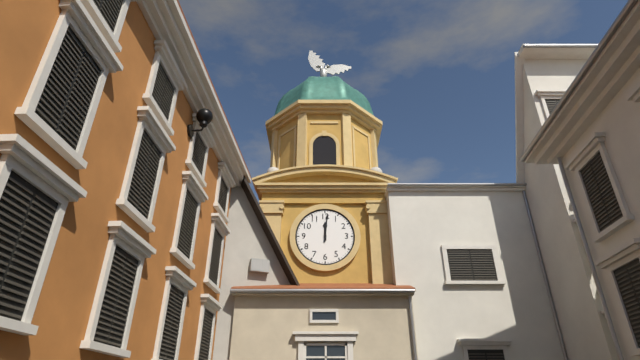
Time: **12:01**
